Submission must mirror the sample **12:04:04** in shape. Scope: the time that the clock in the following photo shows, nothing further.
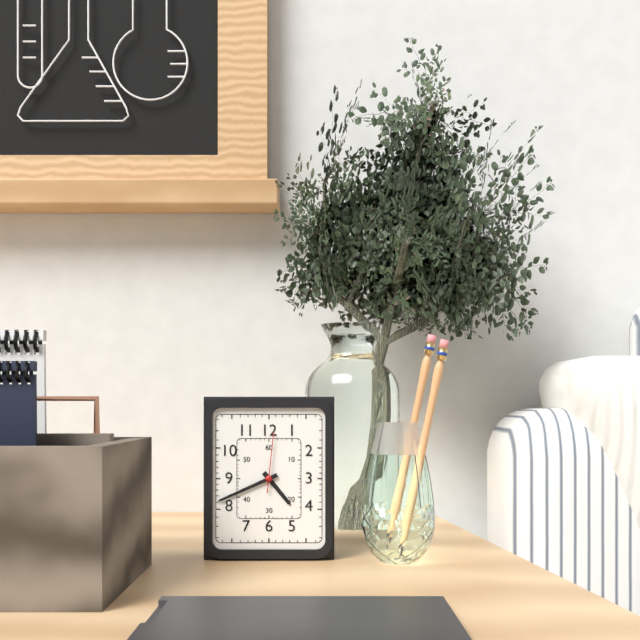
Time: **4:41:01**
